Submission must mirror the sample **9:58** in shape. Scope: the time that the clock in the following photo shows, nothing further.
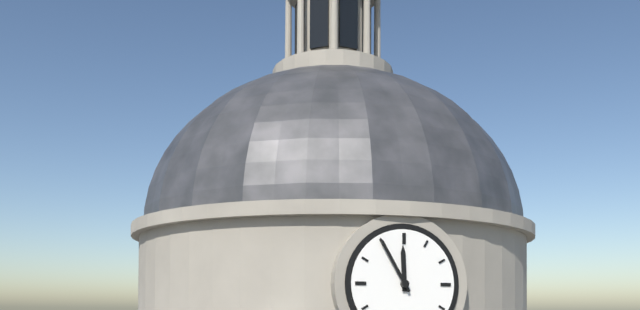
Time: **11:55**
